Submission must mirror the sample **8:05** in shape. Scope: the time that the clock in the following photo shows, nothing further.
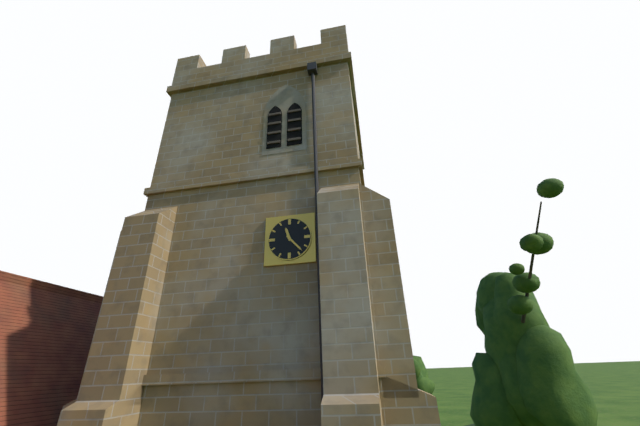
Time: **11:23**
